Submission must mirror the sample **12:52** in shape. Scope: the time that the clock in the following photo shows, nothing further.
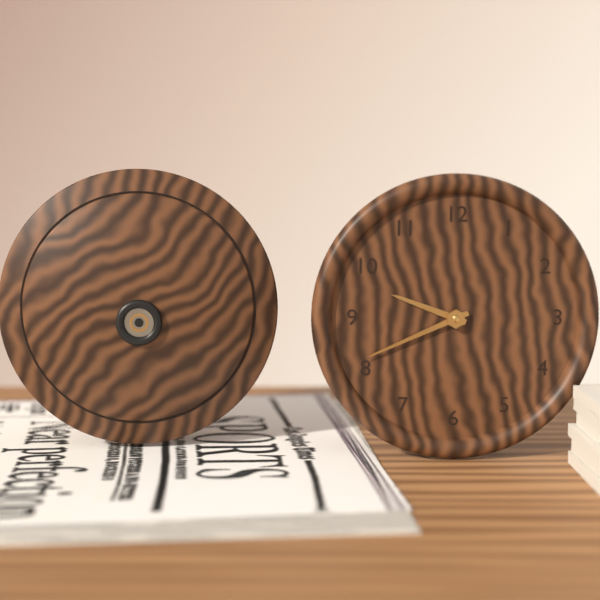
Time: **9:41**
